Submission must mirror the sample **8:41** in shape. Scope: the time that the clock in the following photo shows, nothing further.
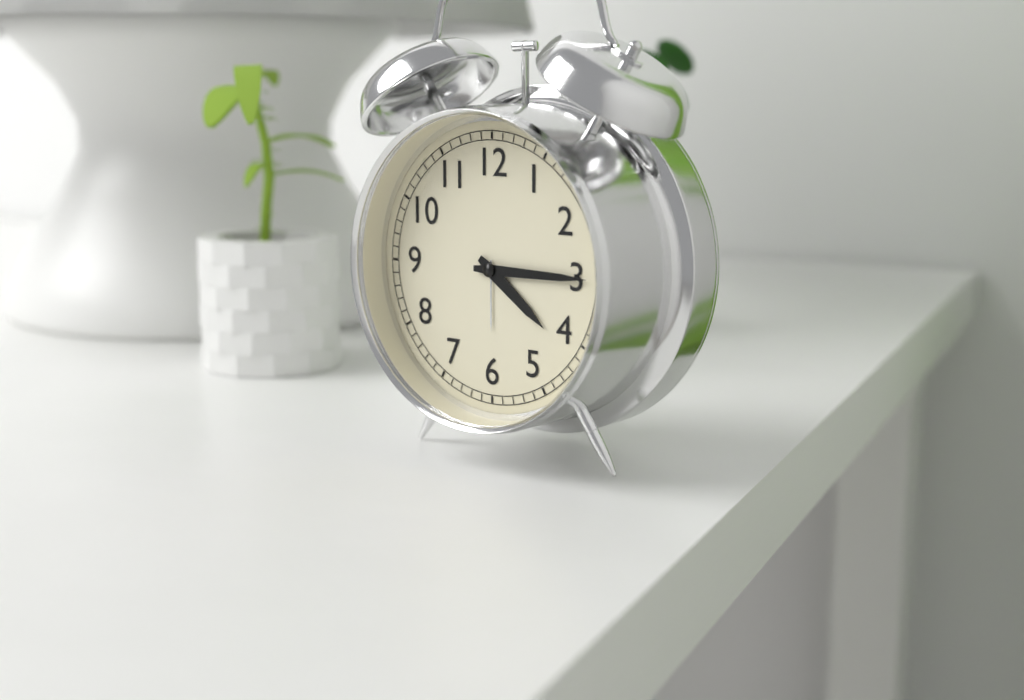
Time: **4:15**
